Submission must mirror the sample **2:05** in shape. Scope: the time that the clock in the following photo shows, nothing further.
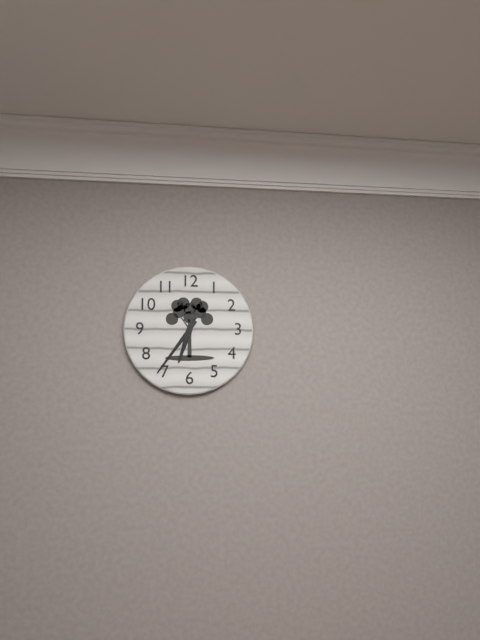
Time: **6:36**
